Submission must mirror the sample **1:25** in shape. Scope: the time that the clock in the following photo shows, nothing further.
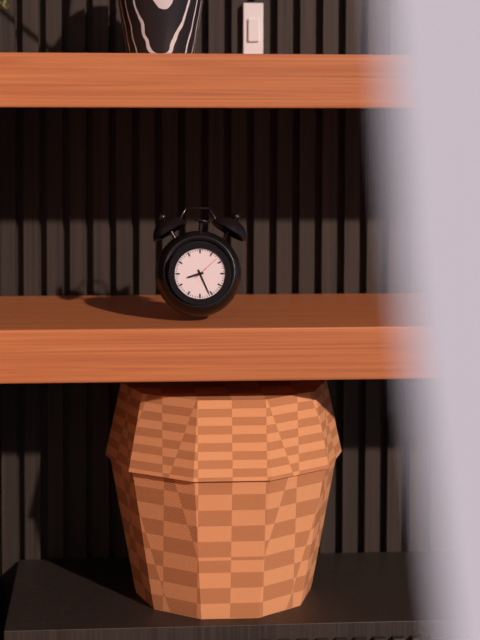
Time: **8:26**
